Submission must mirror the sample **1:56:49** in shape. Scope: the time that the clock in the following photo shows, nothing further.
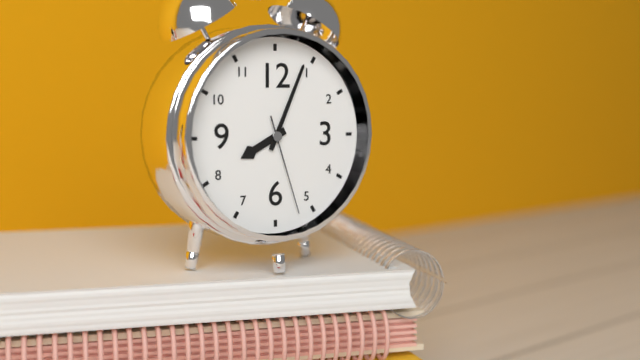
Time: **8:04:27**
